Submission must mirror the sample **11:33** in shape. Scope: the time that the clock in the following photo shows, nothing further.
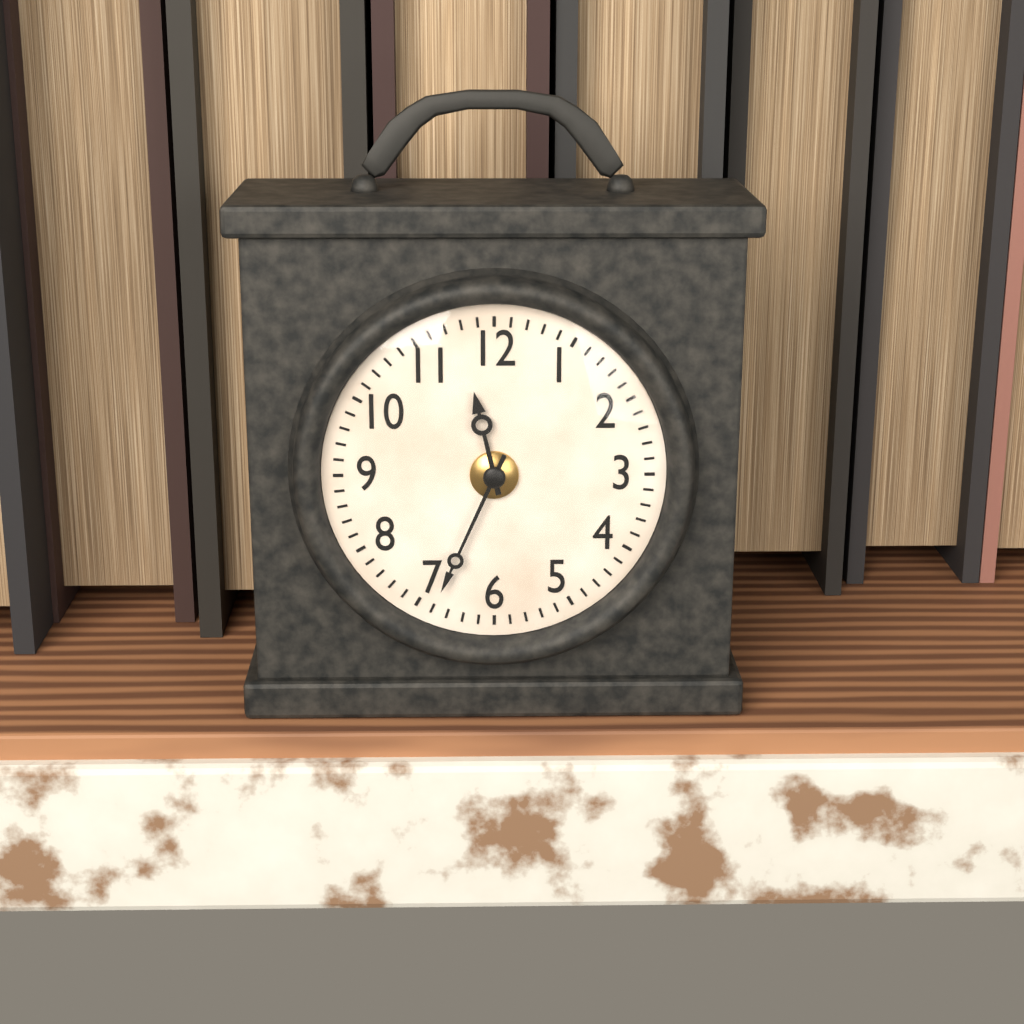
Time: **11:34**
